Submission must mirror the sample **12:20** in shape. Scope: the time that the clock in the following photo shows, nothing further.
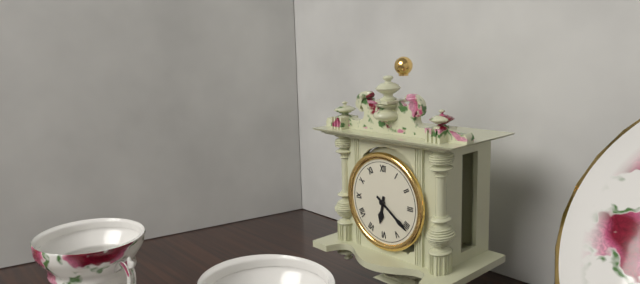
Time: **6:21**
